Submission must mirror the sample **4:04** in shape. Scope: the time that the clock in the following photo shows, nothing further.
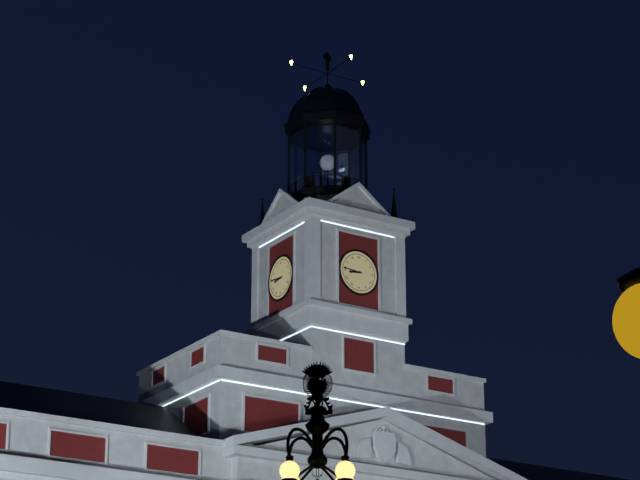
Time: **8:46**
